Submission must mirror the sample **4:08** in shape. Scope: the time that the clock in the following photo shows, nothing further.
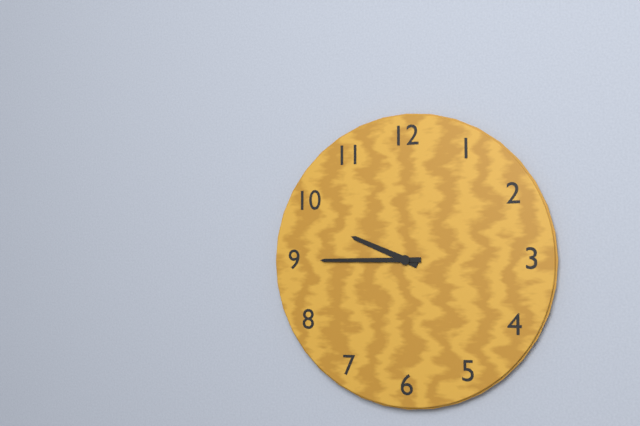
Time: **9:45**
